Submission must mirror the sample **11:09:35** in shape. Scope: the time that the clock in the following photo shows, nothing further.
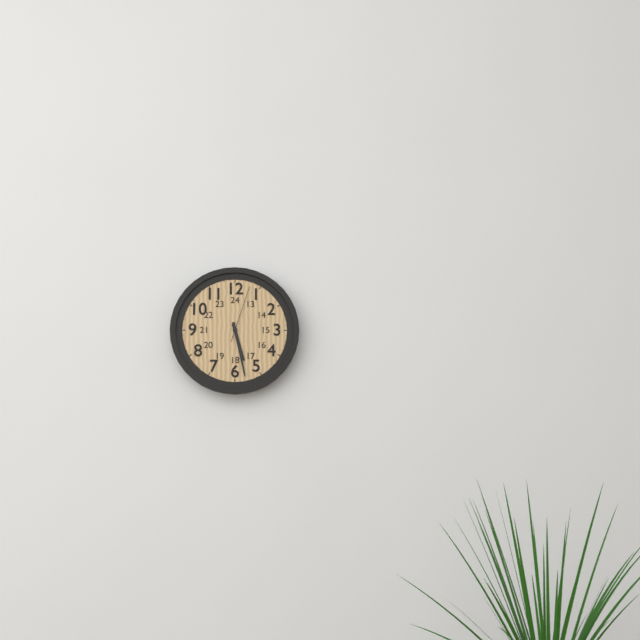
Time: **5:28:03**
